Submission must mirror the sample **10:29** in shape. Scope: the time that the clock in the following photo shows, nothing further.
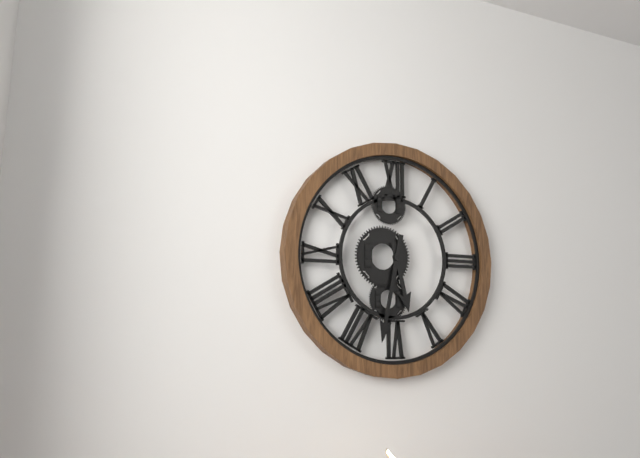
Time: **5:32**
